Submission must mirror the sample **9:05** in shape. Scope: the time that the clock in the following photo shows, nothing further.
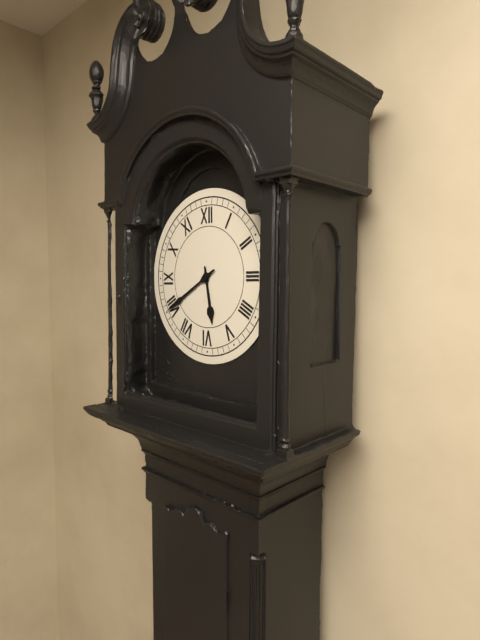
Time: **5:40**
